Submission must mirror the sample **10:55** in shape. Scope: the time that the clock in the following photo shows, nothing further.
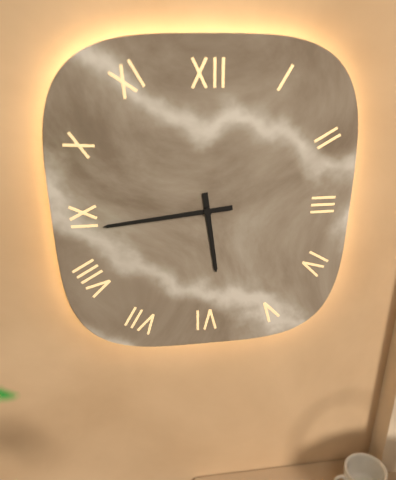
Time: **5:44**
